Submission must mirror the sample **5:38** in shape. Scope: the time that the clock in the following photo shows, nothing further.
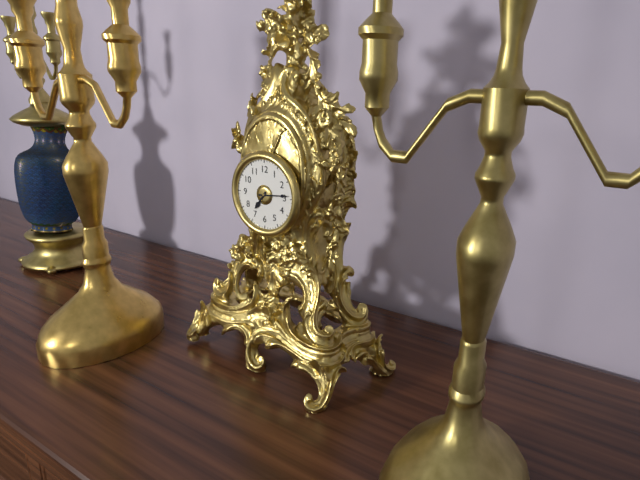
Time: **7:14**
